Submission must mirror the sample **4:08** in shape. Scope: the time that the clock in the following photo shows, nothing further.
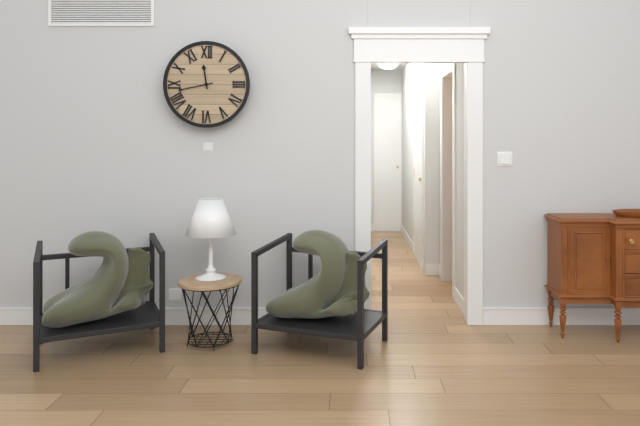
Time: **11:43**
